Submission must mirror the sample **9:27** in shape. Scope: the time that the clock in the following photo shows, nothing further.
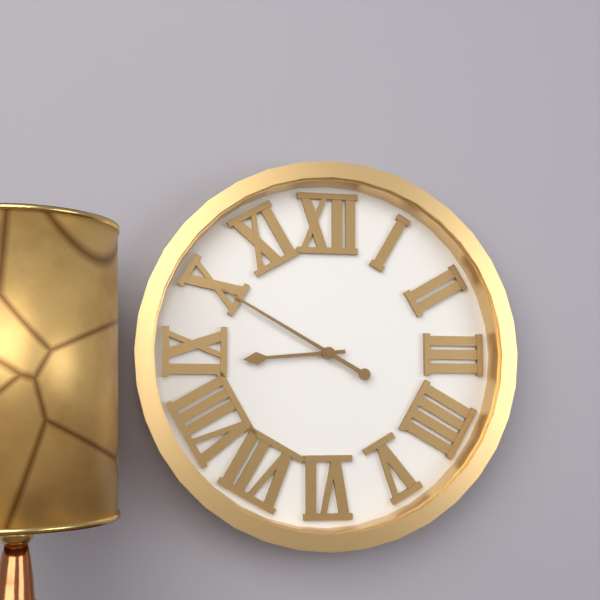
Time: **8:50**
